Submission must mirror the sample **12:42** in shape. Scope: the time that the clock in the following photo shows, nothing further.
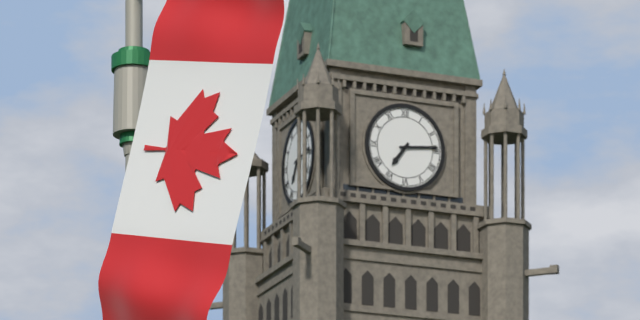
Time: **7:14**
